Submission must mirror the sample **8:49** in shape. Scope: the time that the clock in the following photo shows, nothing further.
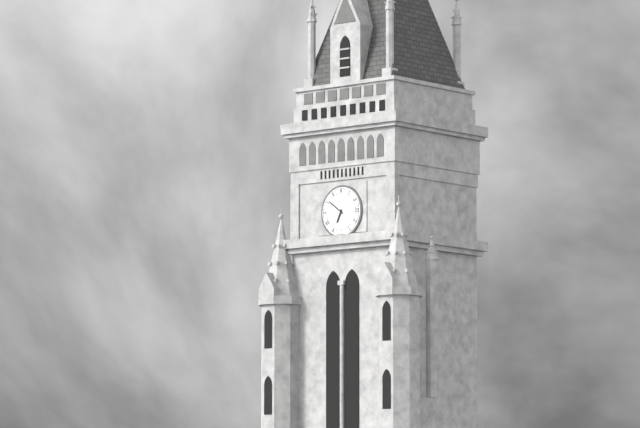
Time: **6:51**
